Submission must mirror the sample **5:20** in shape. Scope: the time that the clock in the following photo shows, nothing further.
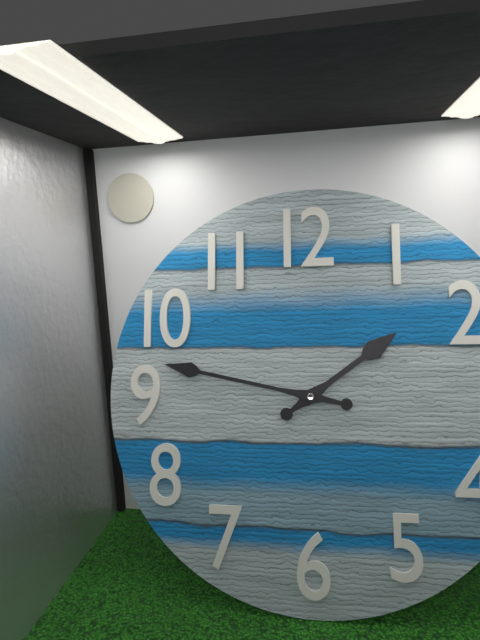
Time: **1:47**
